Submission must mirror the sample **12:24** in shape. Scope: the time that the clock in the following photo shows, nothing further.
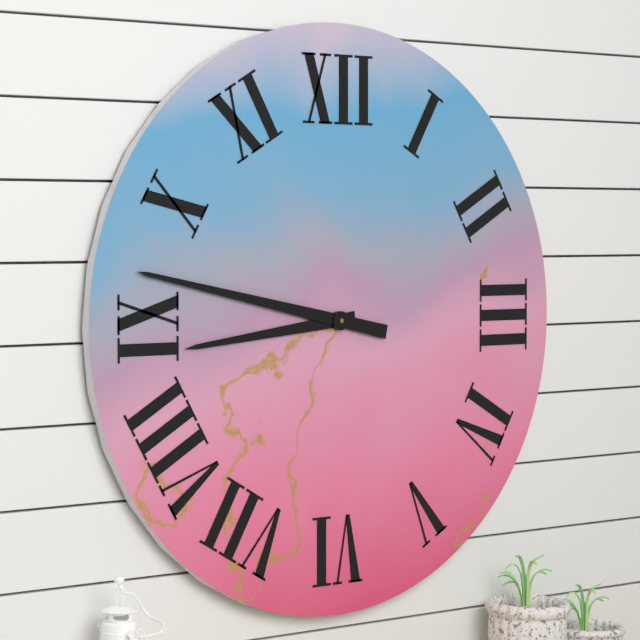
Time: **8:47**
